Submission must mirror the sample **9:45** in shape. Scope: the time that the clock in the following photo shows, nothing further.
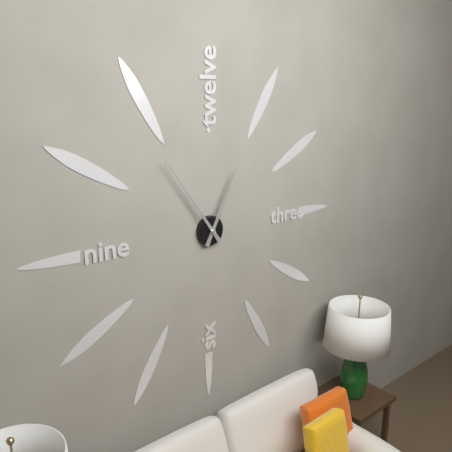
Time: **12:54**
